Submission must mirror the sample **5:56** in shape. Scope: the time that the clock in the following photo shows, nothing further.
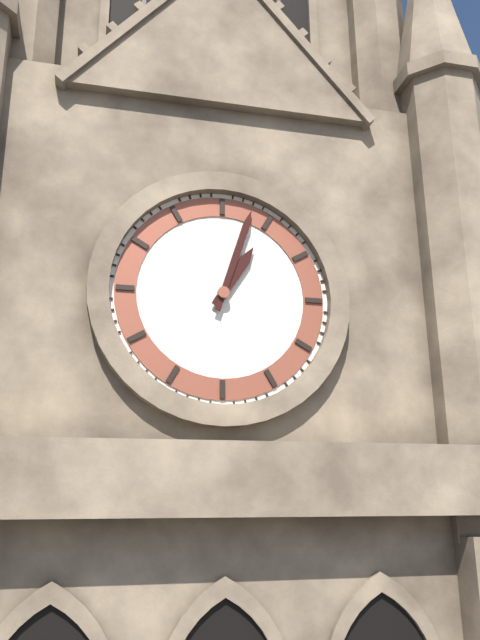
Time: **1:03**
